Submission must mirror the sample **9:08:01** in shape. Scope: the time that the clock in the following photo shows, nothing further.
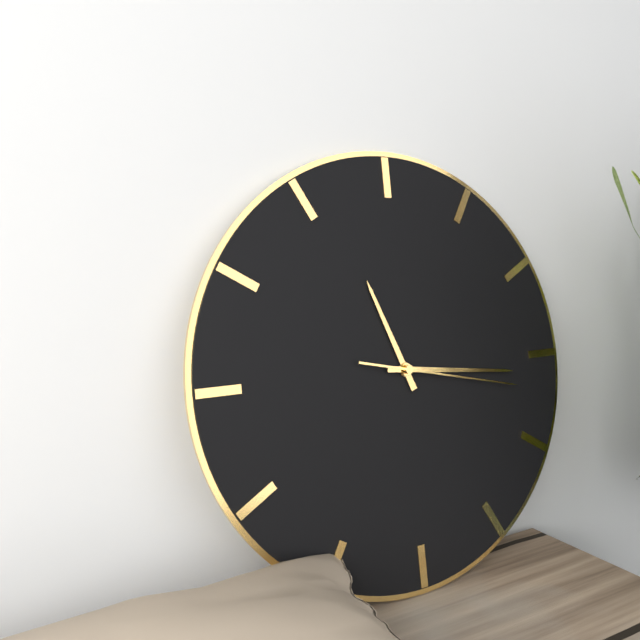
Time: **11:16:17**
